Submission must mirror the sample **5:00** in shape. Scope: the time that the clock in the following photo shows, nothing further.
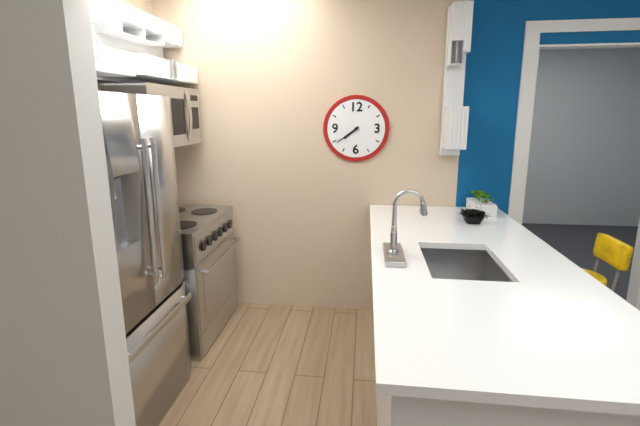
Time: **7:39**
